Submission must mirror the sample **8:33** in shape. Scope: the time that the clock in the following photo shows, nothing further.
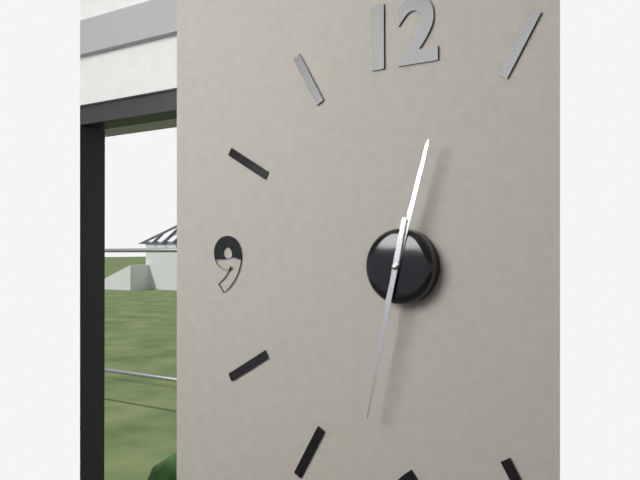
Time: **12:32**
